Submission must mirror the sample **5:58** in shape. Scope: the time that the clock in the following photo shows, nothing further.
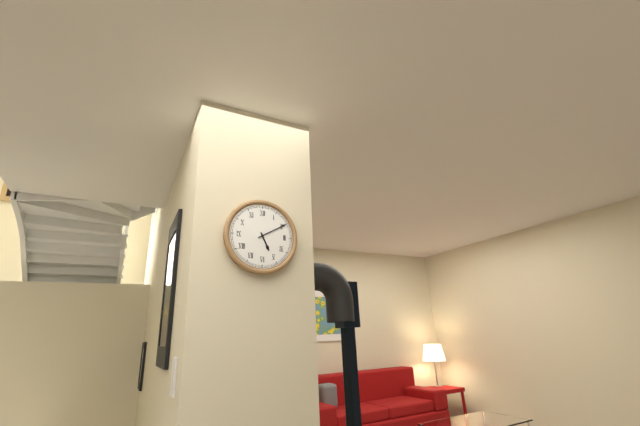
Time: **5:10**
